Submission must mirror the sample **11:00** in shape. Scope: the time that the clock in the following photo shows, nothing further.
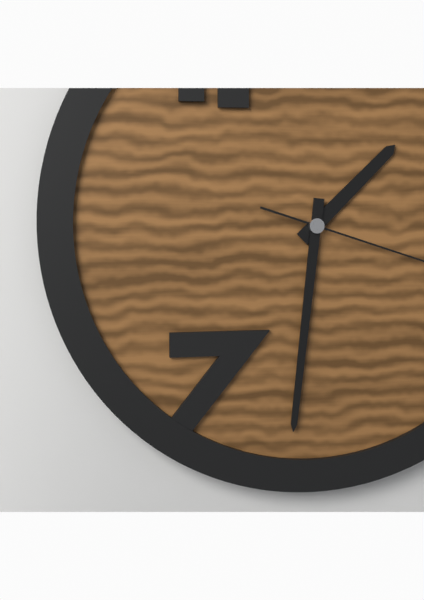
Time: **1:31**
